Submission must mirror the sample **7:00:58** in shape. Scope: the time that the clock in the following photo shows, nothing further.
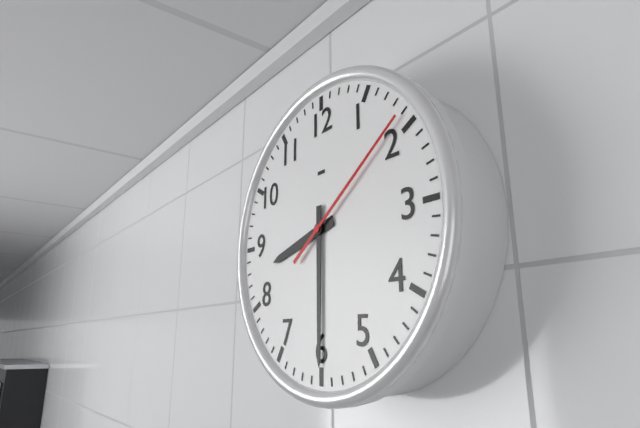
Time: **8:30:09**
